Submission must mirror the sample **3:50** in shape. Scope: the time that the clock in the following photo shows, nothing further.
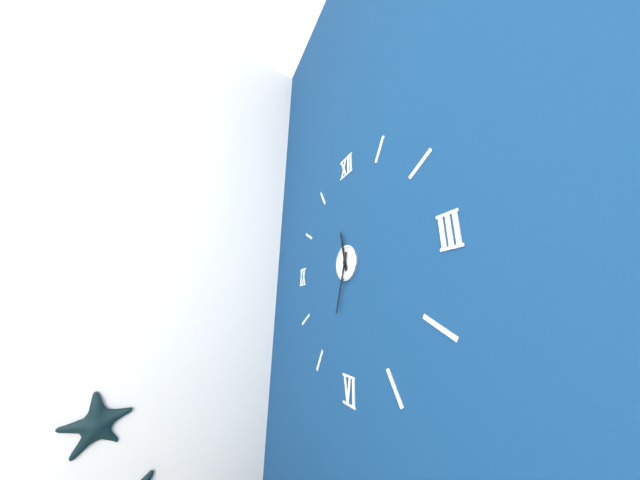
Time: **11:33**
